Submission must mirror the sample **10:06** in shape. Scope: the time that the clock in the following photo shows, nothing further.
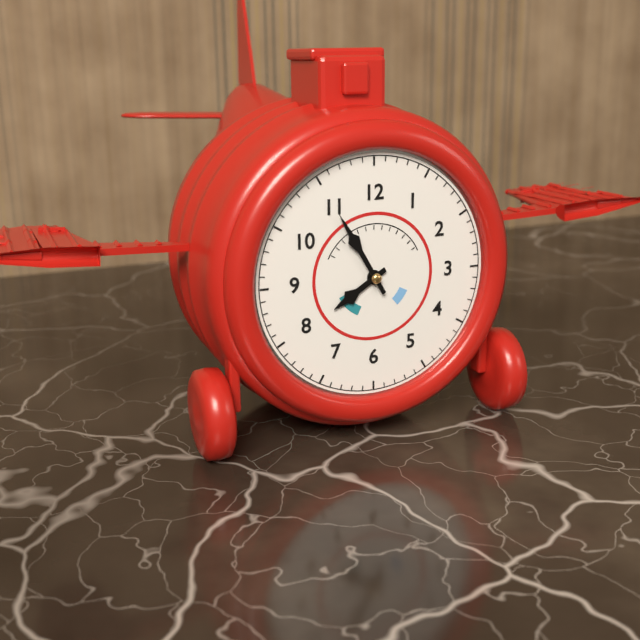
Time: **7:55**
